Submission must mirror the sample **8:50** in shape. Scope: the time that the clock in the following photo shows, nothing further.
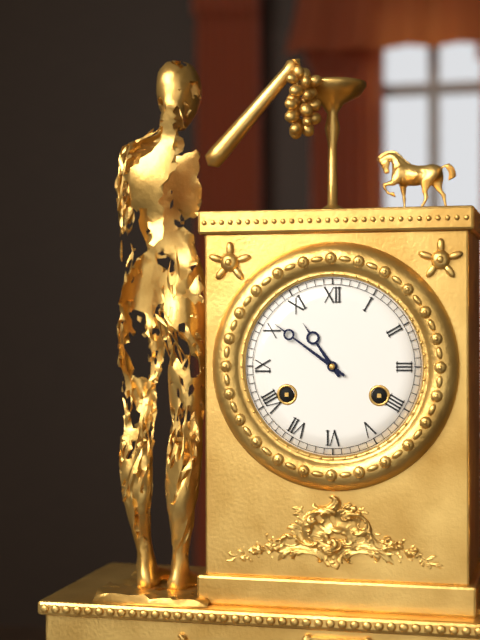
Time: **10:51**
